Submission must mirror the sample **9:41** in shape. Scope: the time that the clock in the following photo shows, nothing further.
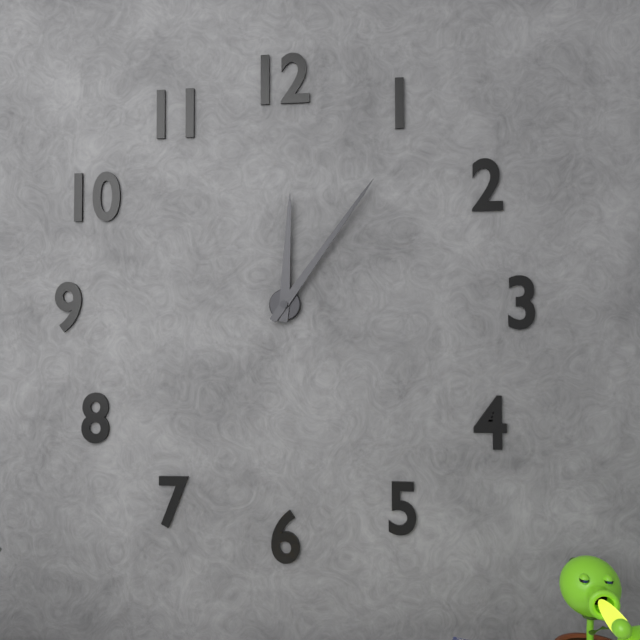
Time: **12:06**
